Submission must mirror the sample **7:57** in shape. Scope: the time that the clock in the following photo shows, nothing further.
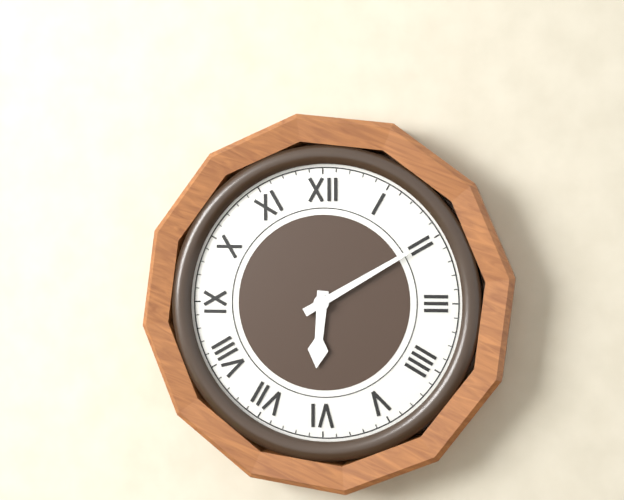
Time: **6:10**
